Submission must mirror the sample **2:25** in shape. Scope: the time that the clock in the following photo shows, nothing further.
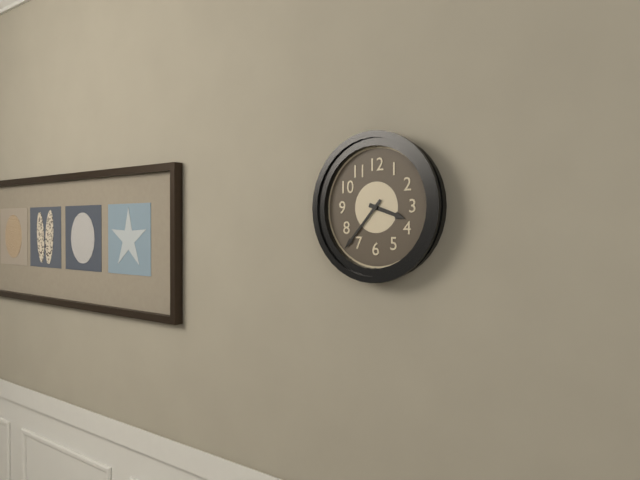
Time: **3:37**
